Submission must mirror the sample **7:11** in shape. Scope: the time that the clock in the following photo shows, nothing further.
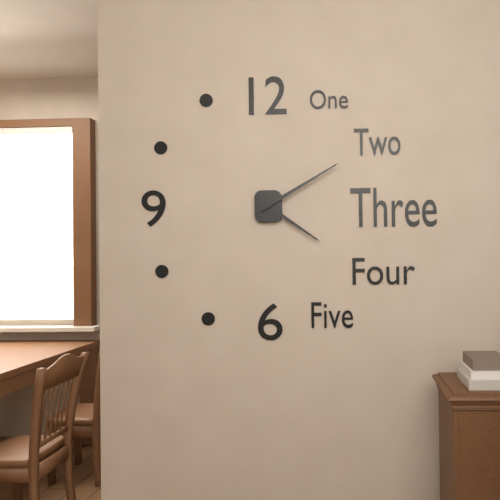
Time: **4:10**
